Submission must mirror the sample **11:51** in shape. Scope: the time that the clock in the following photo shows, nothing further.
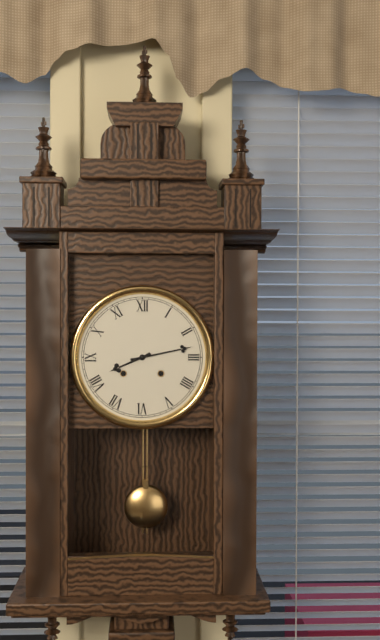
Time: **8:13**
